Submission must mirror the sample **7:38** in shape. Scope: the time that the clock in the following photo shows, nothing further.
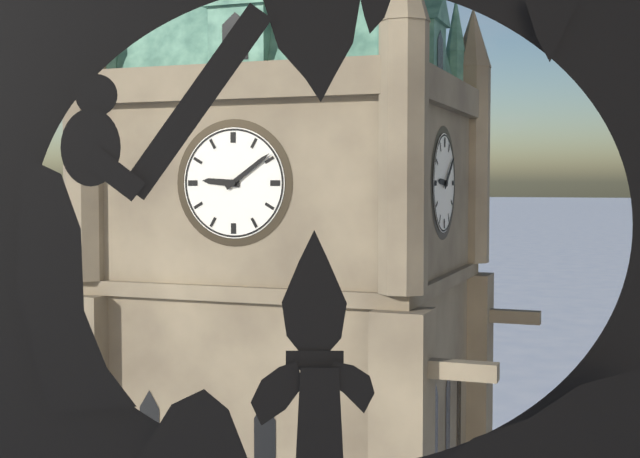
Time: **9:09**
